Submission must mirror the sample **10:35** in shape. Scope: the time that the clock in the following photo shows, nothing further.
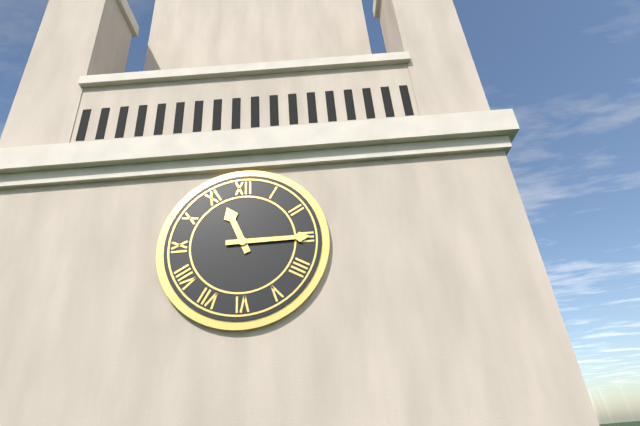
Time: **11:15**
